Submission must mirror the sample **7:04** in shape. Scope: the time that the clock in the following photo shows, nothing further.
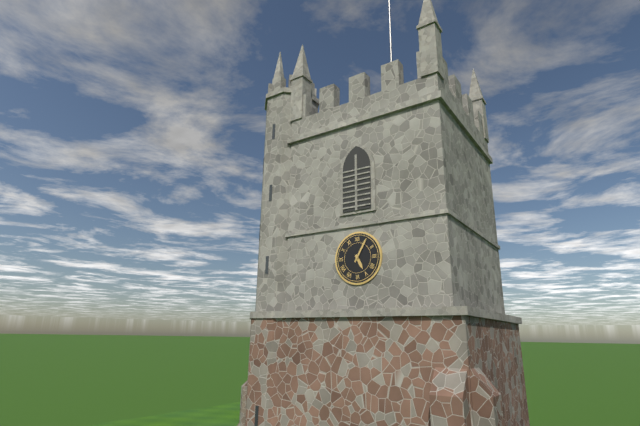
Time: **5:05**
